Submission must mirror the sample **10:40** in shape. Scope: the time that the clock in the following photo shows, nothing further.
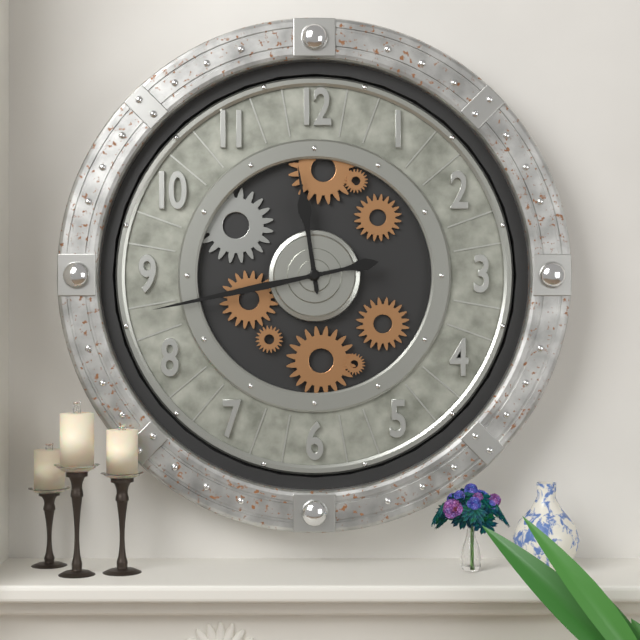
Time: **11:43**
